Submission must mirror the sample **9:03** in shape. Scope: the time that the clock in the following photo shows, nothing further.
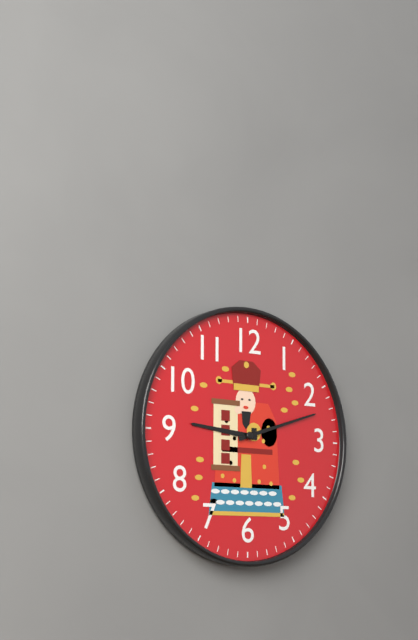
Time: **9:12**
